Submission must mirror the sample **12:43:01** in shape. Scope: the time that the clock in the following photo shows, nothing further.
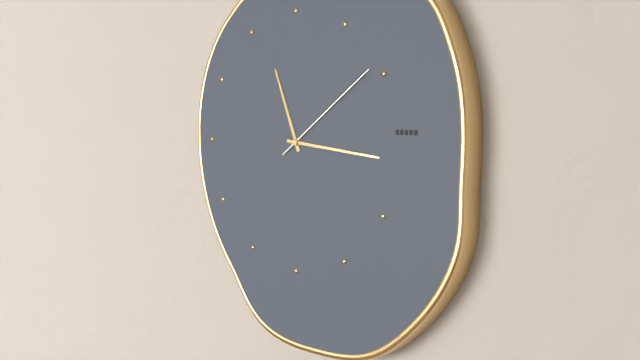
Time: **11:16:09**
